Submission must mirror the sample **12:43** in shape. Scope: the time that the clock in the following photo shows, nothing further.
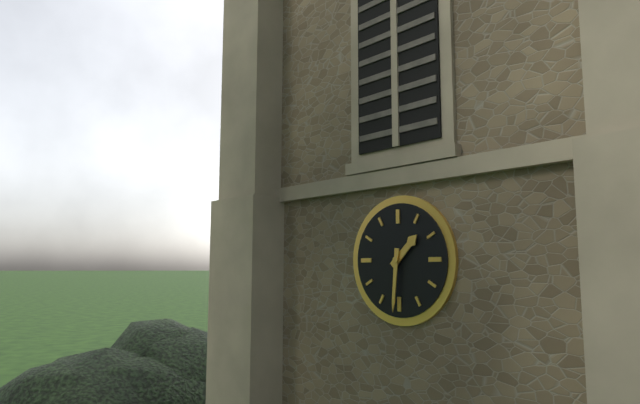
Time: **1:31**
